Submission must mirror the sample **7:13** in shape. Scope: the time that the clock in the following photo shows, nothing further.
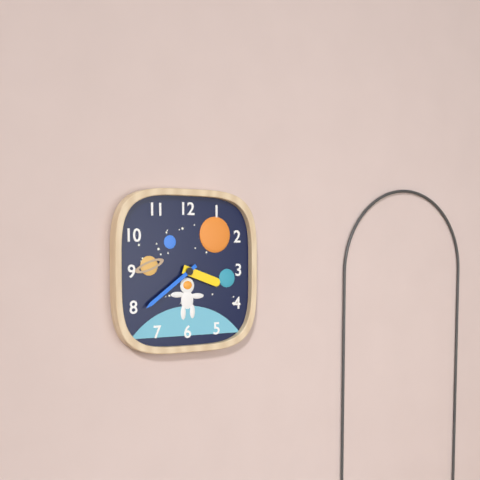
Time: **3:39**
